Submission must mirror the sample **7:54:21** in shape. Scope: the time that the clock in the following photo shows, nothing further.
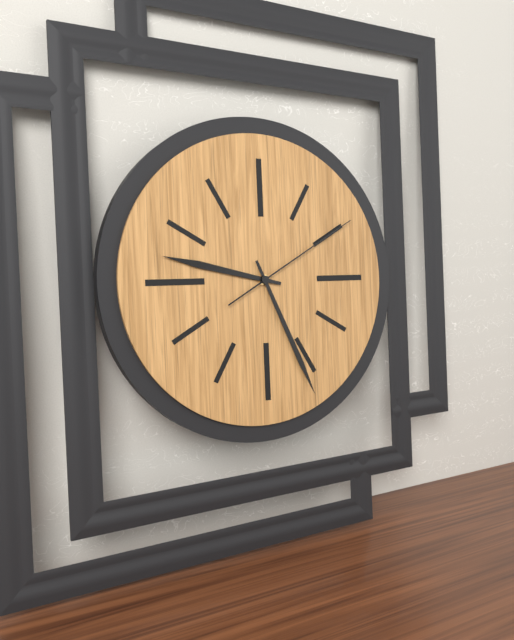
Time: **9:26:10**
